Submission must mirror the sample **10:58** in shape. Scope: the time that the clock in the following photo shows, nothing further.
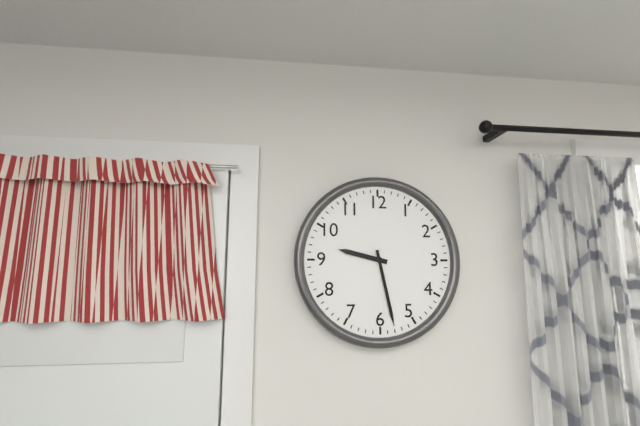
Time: **9:28**
